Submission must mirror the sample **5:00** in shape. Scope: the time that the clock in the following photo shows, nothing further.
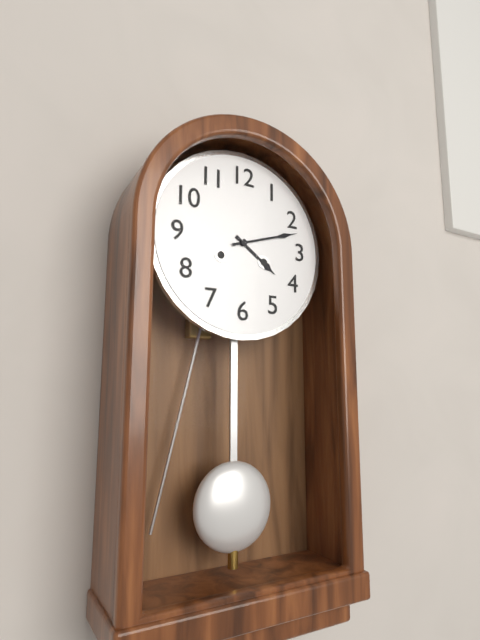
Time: **4:12**
